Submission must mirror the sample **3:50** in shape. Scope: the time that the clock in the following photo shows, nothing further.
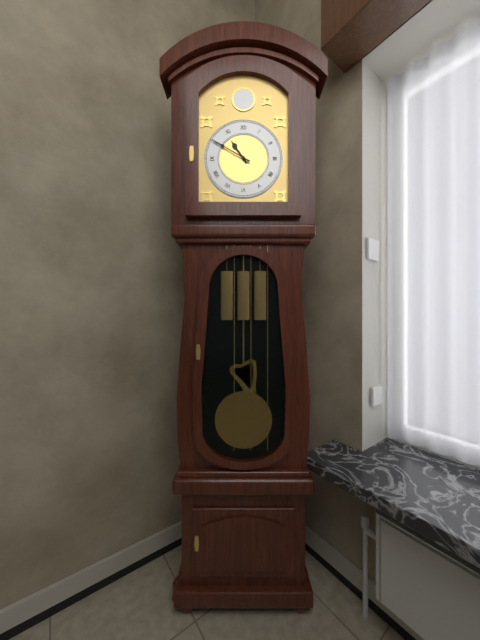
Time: **10:50**
